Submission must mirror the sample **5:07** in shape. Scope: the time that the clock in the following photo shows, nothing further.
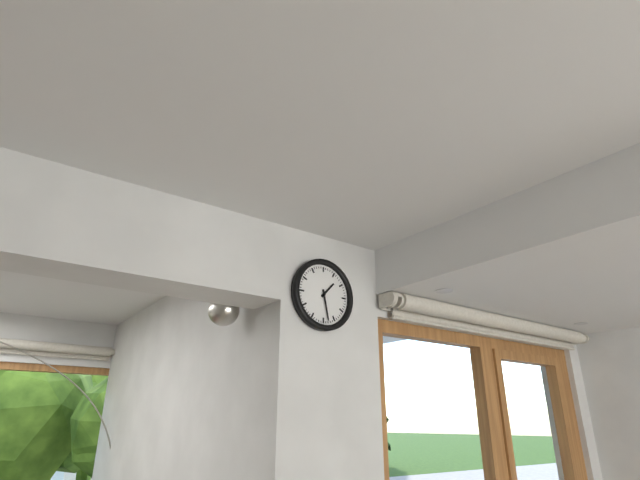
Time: **1:28**
